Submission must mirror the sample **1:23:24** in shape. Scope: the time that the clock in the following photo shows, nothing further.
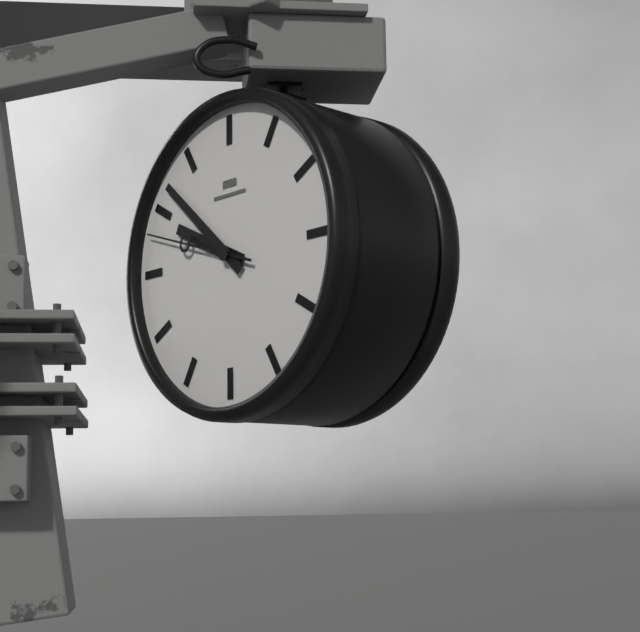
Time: **9:52:48**
